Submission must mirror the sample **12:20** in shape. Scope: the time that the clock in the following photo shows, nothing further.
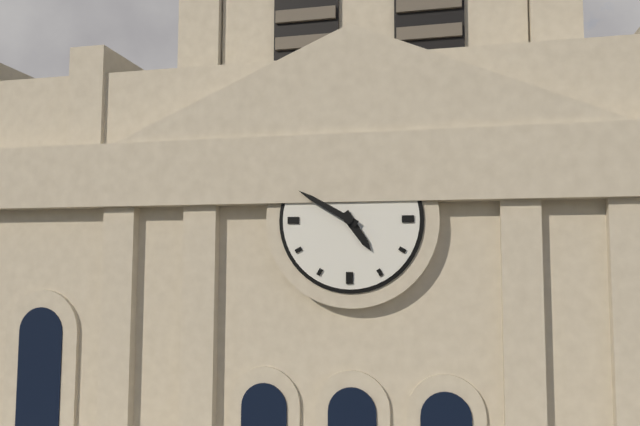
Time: **4:50**
